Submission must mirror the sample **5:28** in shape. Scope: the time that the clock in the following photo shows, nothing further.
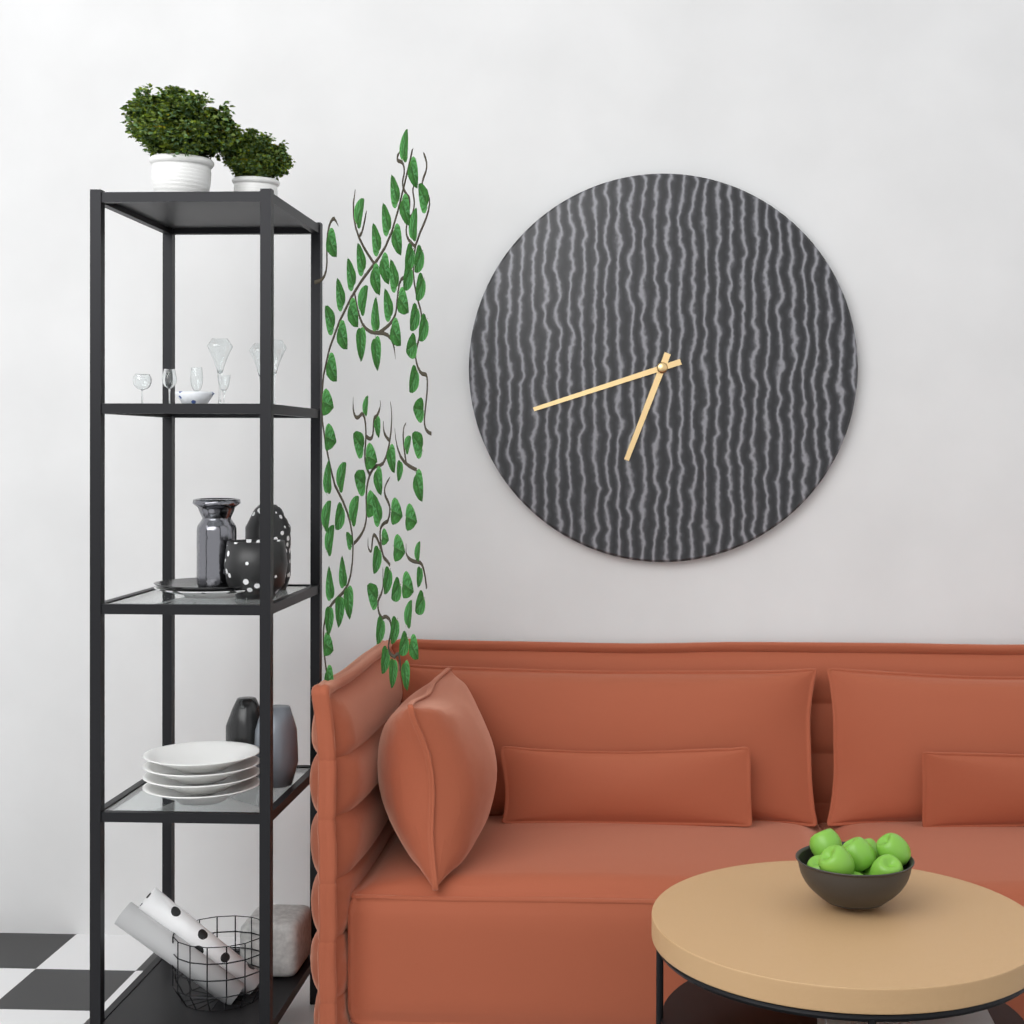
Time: **6:42**
